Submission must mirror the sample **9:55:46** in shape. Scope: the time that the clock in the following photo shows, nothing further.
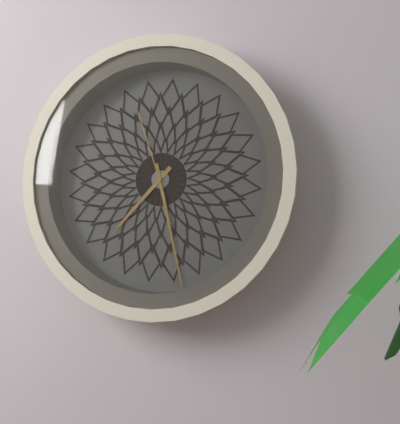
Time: **7:28:57**
